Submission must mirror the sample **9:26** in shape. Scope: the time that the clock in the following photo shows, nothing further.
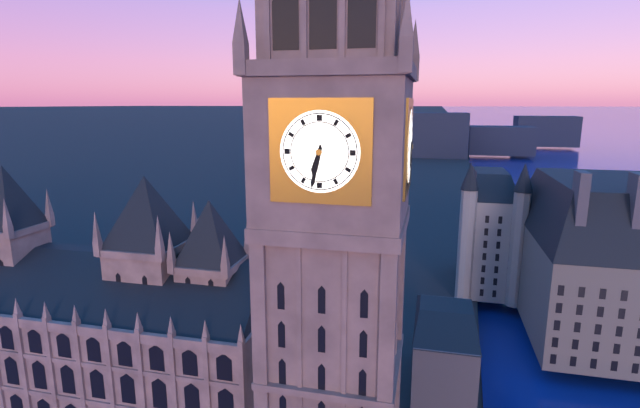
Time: **6:32**
